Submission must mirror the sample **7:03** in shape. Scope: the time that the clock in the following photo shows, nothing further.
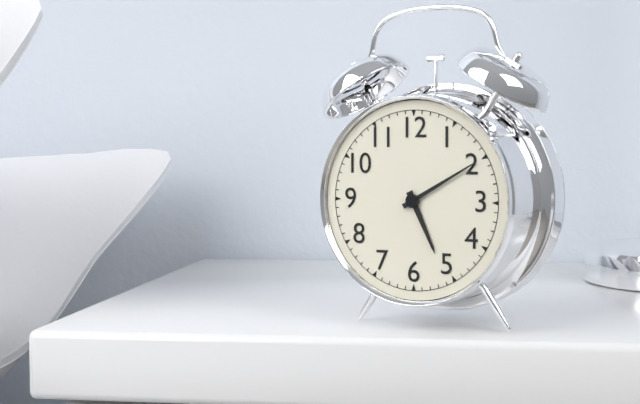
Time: **5:10**
